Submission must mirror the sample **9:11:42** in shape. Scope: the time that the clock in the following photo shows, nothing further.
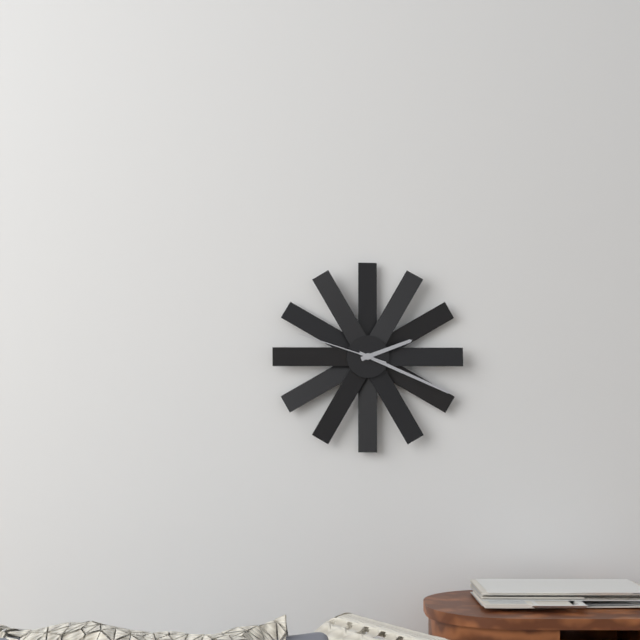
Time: **2:19:48**
